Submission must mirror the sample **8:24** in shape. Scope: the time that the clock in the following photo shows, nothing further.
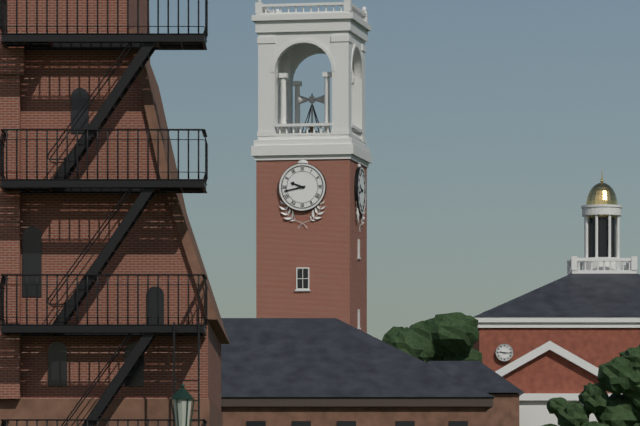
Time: **9:43**
